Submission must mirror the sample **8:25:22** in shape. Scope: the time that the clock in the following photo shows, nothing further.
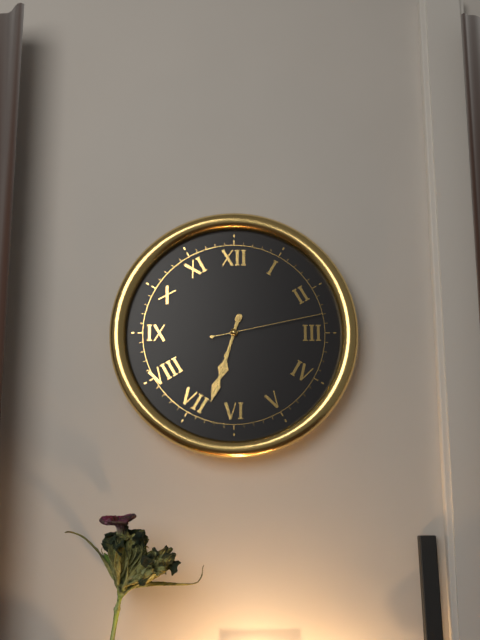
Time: **6:33:13**
